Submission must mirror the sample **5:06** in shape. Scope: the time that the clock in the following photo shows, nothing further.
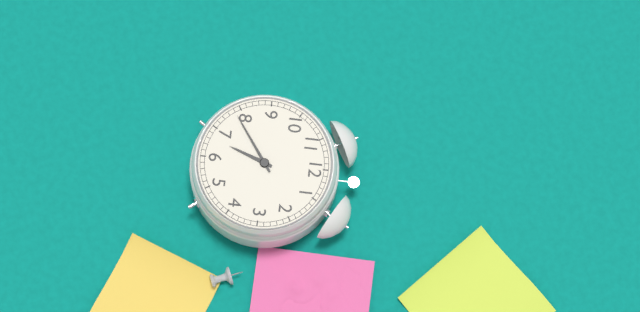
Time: **6:39**
